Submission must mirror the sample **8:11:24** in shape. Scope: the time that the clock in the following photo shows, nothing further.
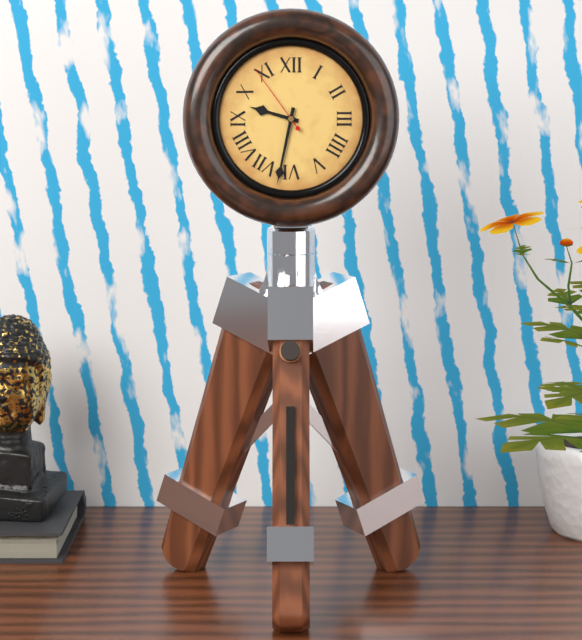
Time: **9:32:54**
